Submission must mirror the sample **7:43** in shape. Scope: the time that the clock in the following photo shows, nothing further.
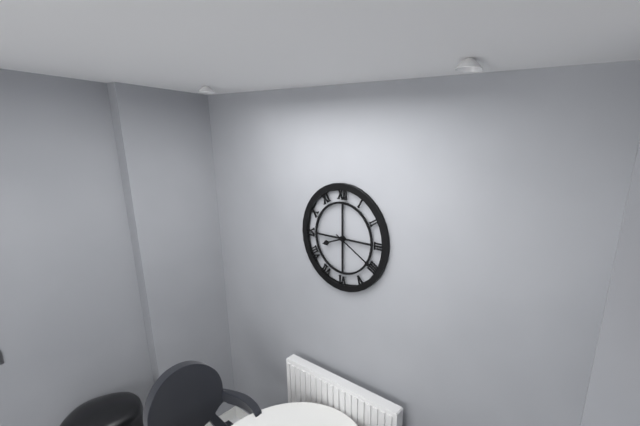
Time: **8:20**
